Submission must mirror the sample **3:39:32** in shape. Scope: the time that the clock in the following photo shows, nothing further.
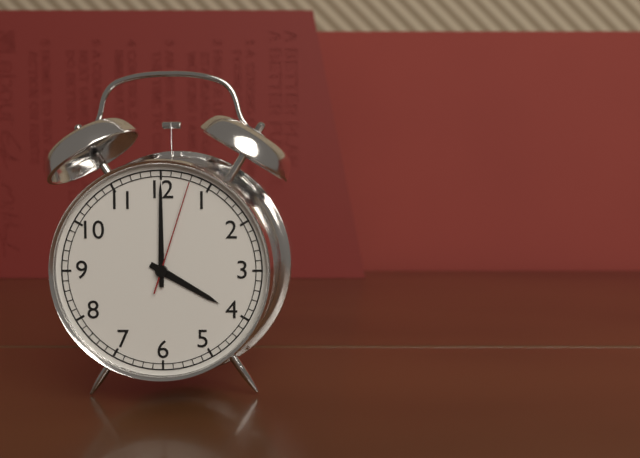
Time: **4:00:03**
